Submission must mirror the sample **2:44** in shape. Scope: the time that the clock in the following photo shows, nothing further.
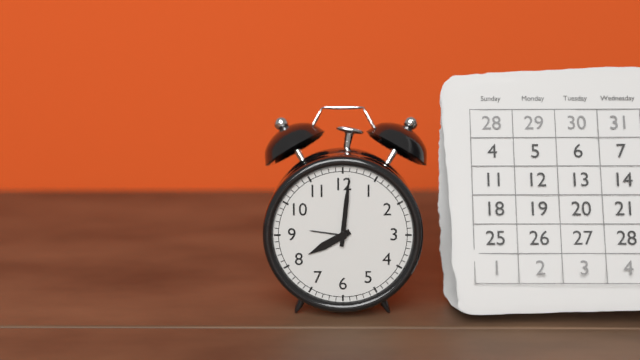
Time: **8:01**
